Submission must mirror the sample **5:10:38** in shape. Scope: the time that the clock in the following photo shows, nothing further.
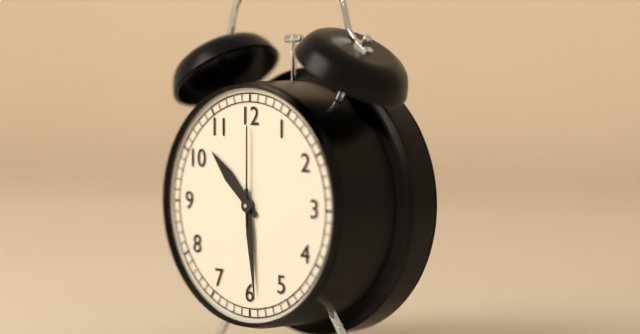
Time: **10:29:00**
